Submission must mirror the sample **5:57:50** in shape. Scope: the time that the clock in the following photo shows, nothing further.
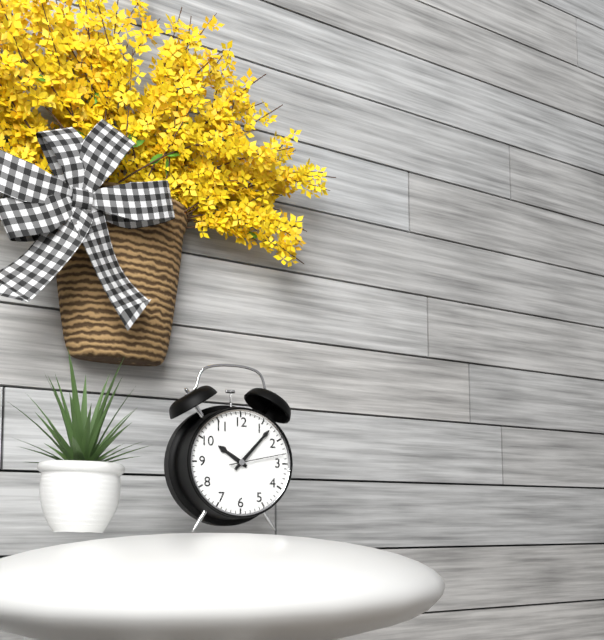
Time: **10:07:13**
